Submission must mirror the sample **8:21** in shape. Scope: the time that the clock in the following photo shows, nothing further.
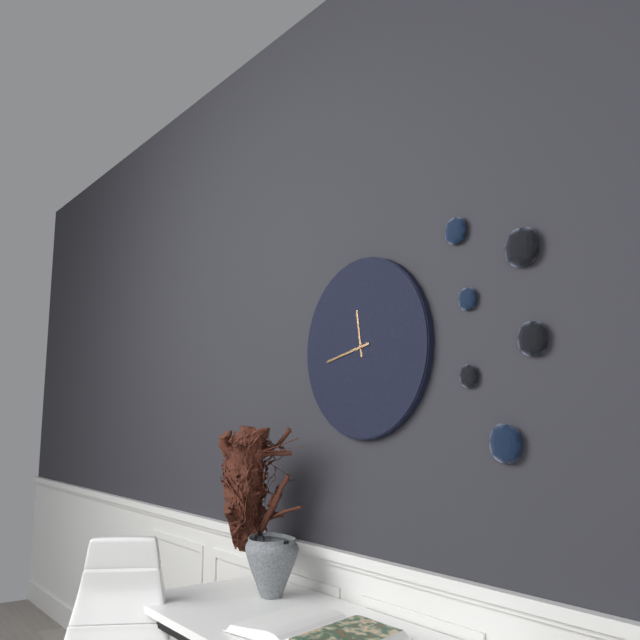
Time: **11:43**
